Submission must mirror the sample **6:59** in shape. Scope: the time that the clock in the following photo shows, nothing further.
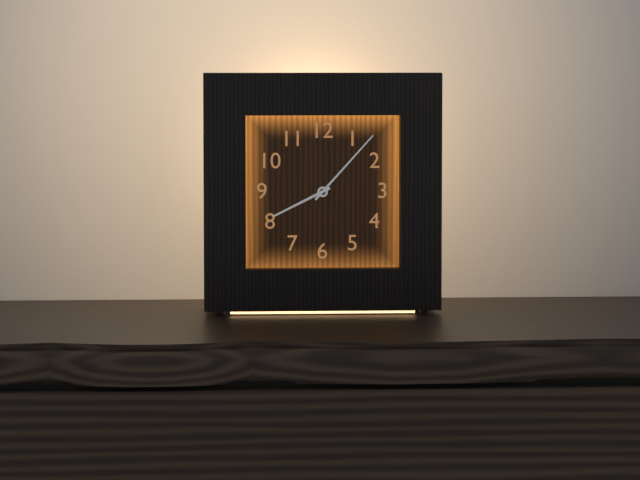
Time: **8:07**
